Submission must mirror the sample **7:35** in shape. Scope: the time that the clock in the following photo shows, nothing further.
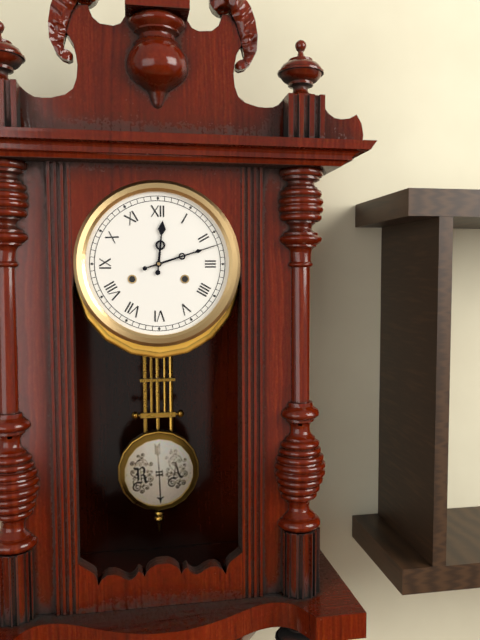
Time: **12:12**
